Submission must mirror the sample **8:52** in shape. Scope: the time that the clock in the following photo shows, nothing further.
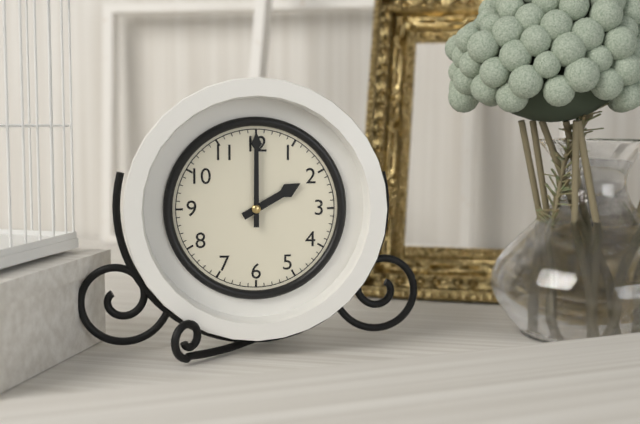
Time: **2:00**
